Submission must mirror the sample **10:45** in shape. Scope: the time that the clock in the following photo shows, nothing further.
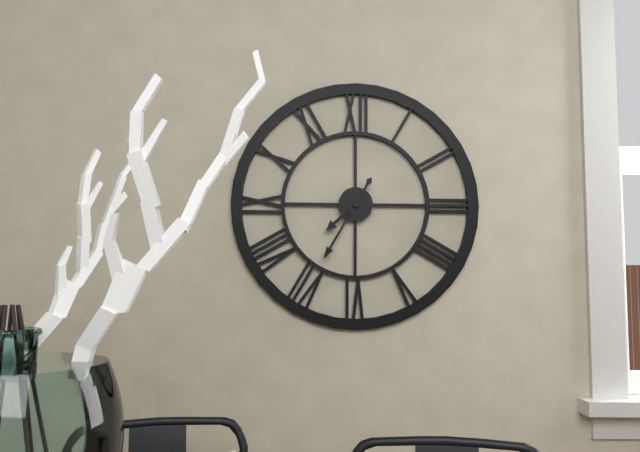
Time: **7:35**
